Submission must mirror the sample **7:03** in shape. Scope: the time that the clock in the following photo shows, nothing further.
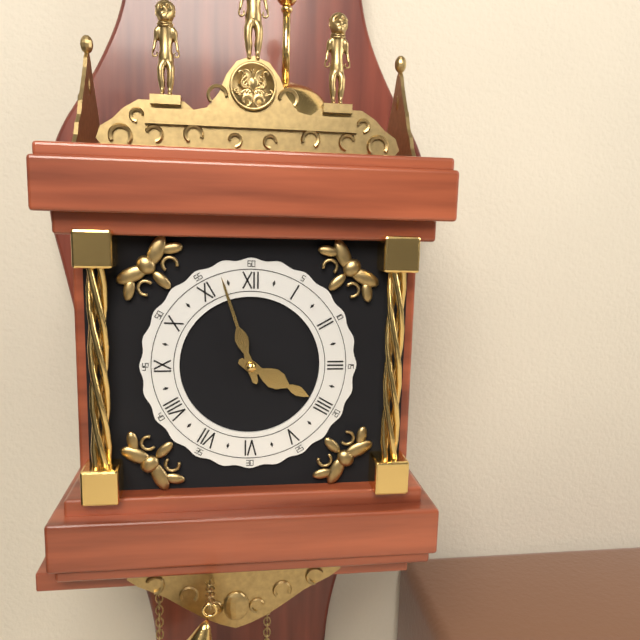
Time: **3:57**
